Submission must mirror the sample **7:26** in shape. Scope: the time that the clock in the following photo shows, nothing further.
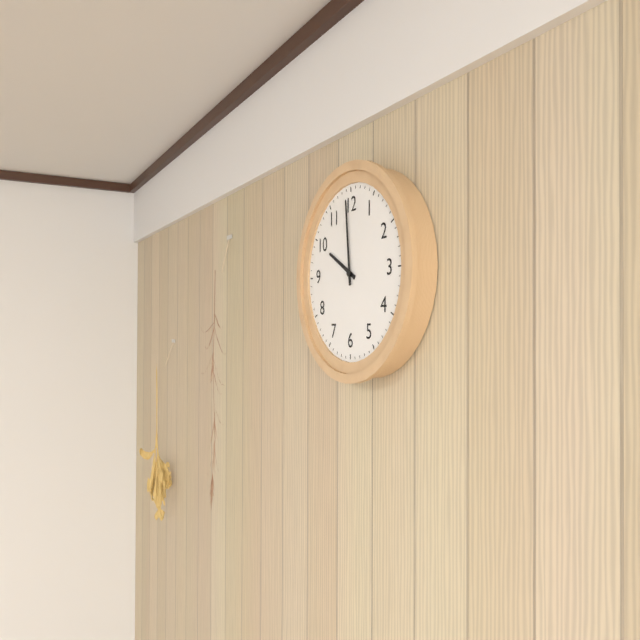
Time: **9:59**
